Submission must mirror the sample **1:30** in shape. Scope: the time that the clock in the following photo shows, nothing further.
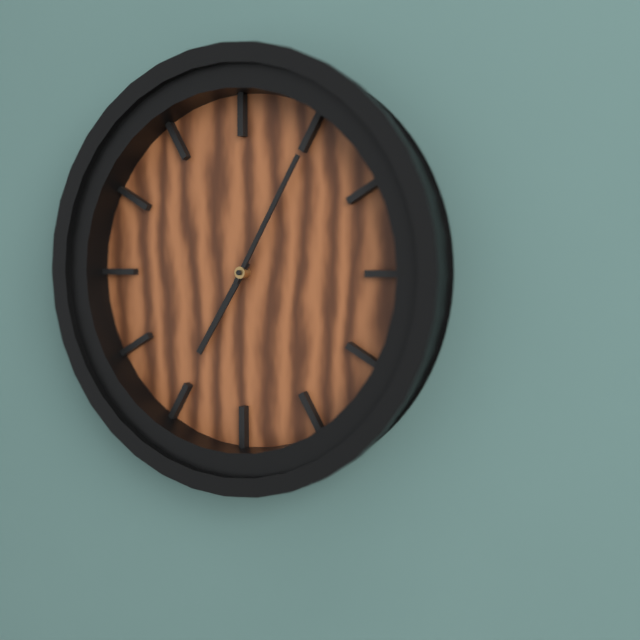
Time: **7:05**
